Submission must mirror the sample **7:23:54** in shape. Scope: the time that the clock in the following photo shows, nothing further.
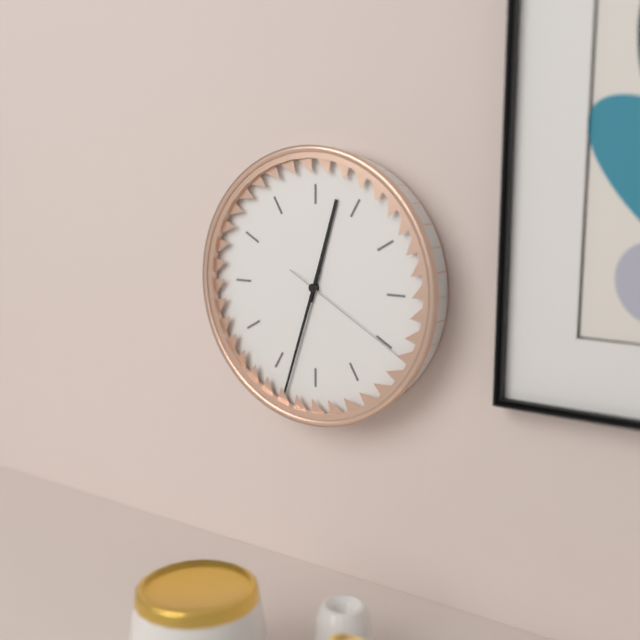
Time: **12:33:20**
